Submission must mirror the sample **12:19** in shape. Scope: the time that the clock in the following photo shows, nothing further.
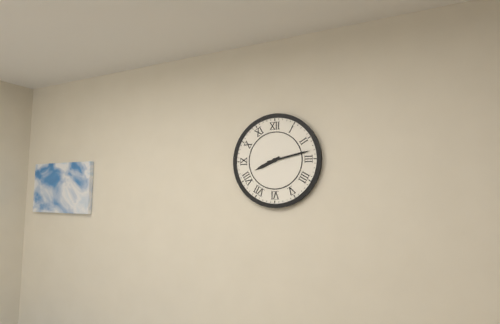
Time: **8:13**
